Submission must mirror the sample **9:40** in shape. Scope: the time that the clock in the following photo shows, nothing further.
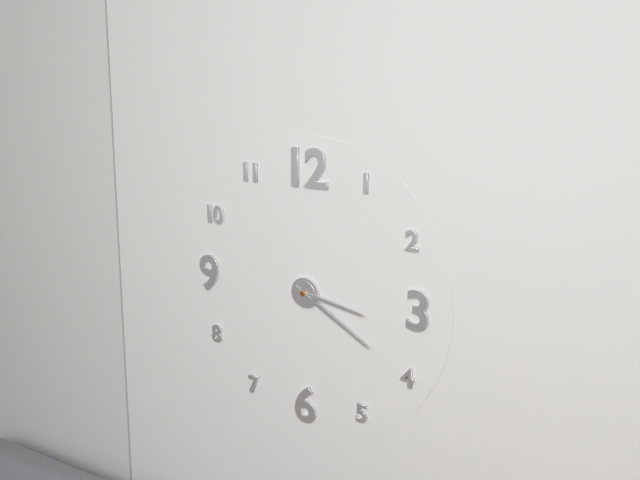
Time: **3:20**
